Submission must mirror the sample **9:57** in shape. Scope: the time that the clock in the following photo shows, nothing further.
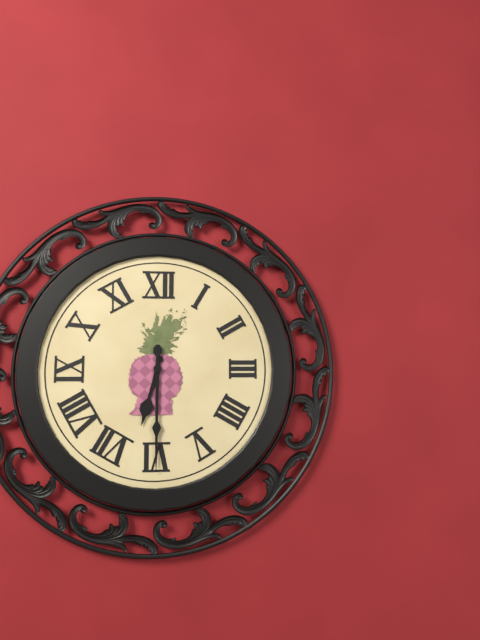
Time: **6:30**
